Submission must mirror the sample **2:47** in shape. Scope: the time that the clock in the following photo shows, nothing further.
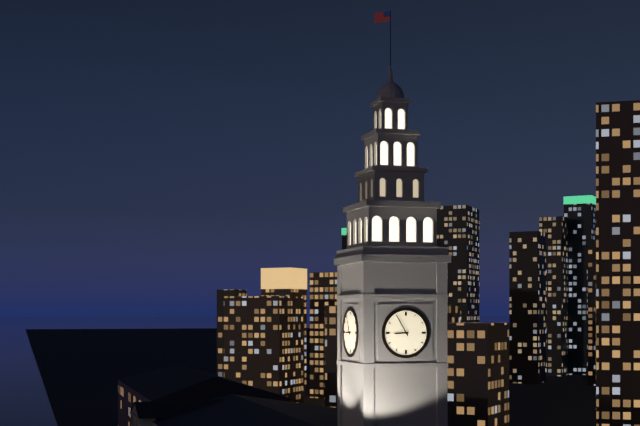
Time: **8:55**
